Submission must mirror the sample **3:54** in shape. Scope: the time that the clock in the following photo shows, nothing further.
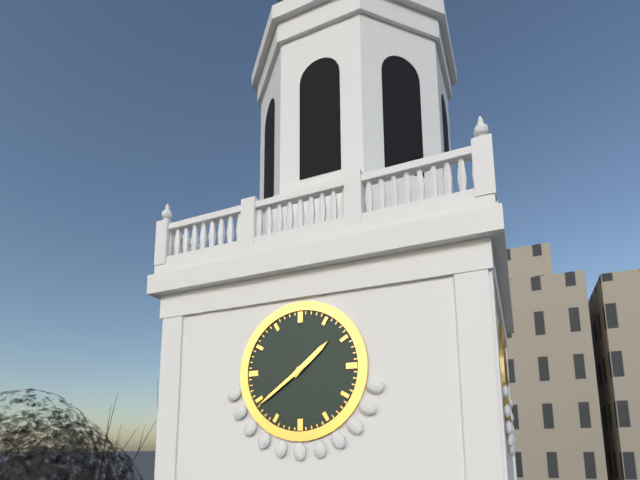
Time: **1:39**
